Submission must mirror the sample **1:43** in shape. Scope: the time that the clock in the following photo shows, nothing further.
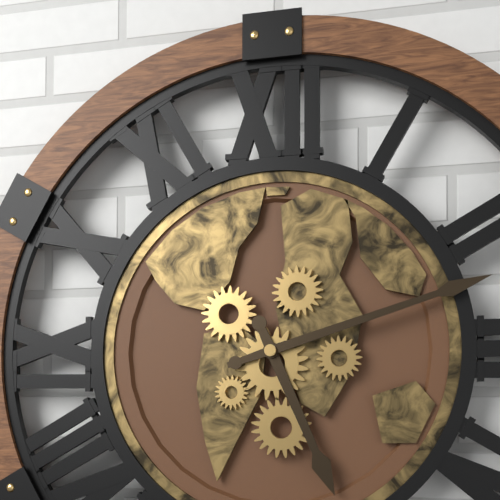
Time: **5:12**
